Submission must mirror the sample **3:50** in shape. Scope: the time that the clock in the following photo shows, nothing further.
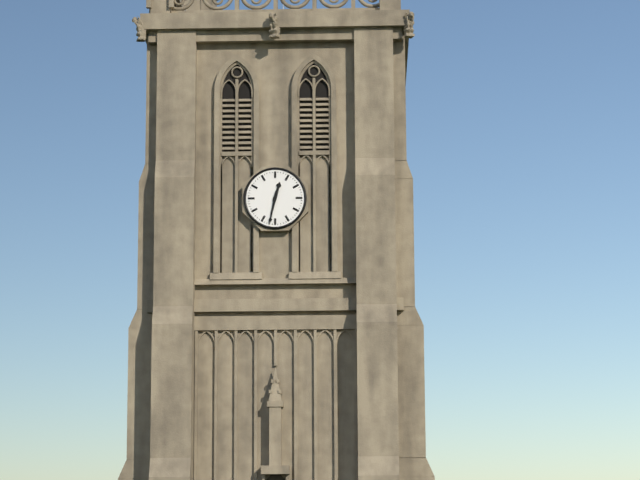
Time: **12:32**
